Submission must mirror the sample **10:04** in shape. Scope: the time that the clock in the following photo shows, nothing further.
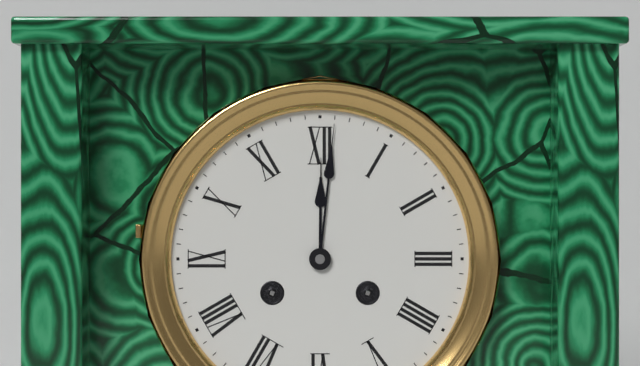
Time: **12:01**
